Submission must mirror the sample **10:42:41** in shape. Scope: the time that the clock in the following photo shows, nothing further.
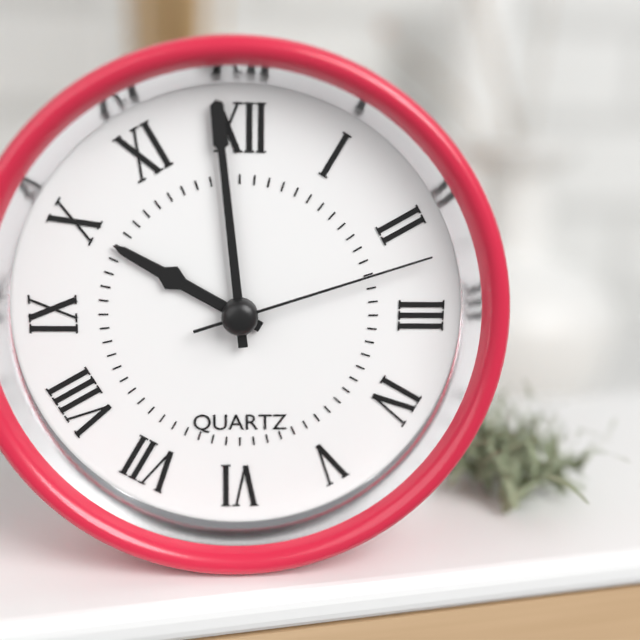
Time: **9:59:12**
